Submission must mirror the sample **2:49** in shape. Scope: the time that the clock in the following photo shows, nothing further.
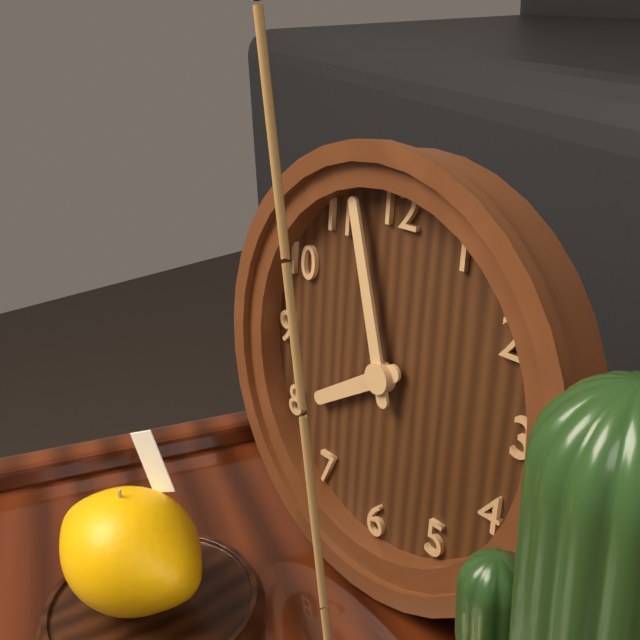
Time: **7:57**
